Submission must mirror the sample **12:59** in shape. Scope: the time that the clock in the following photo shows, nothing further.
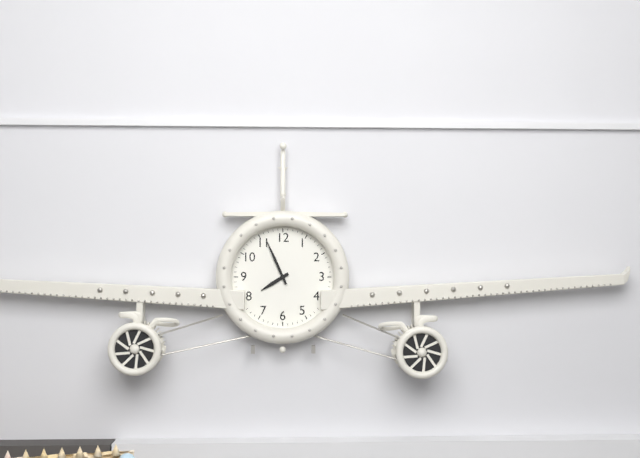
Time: **7:56**
